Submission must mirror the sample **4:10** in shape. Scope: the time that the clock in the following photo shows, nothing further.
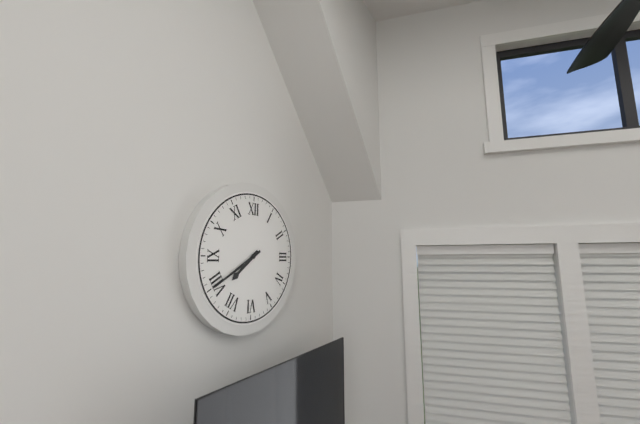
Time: **7:40**
